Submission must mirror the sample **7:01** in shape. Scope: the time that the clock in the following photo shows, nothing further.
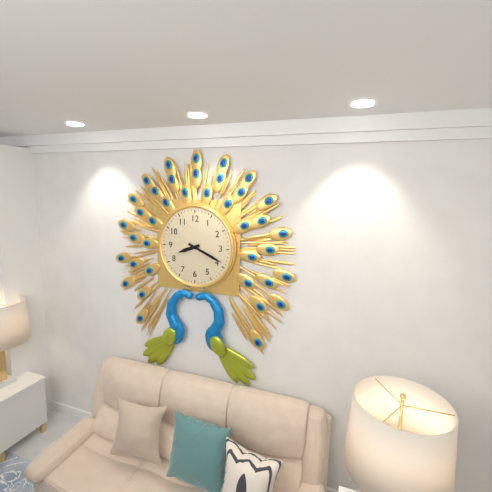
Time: **8:19**
